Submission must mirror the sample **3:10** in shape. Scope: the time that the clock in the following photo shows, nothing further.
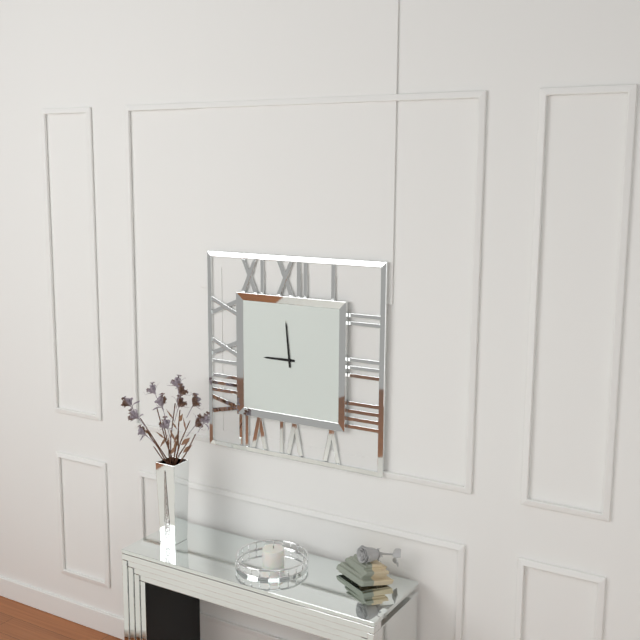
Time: **8:59**
